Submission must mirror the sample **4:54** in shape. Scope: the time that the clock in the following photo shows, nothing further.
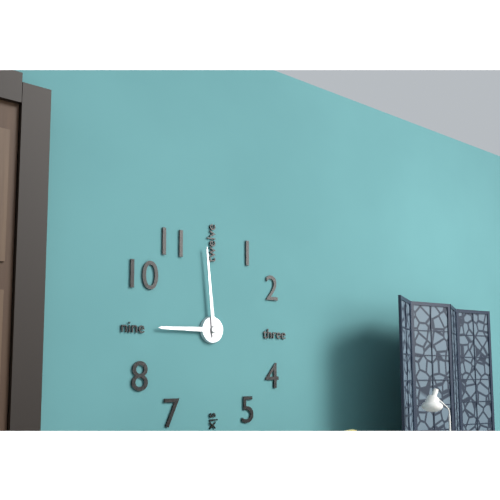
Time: **8:59**
